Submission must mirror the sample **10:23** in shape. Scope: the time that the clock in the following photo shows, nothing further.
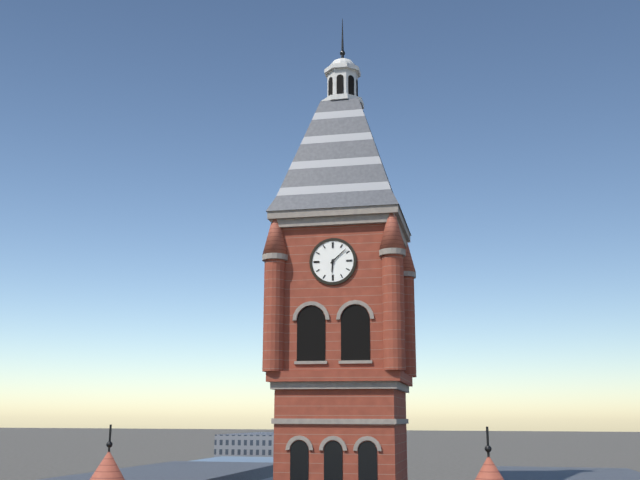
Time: **6:08**
